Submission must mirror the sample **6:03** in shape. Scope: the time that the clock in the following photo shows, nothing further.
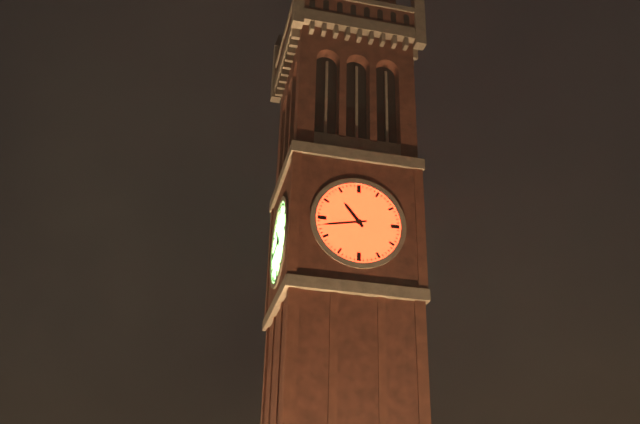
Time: **10:43**
